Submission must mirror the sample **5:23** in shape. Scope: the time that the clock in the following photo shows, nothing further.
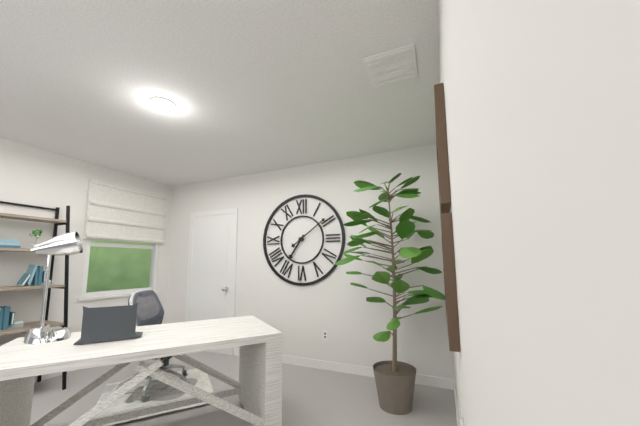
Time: **7:09**
